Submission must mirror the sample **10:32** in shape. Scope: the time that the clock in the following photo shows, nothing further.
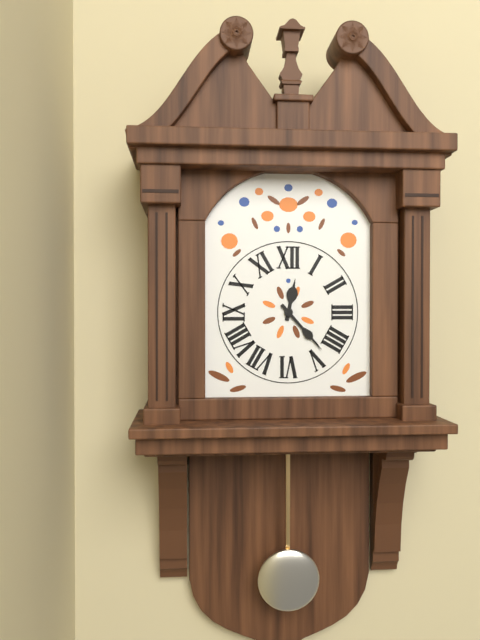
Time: **12:23**
